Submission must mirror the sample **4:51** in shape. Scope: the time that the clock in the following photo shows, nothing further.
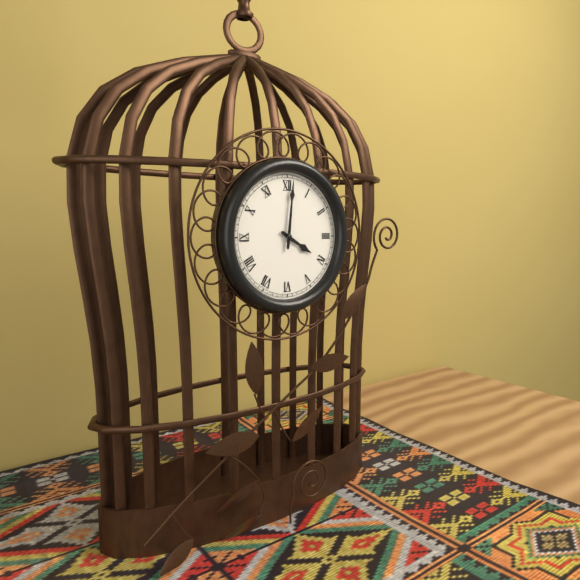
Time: **4:01**
